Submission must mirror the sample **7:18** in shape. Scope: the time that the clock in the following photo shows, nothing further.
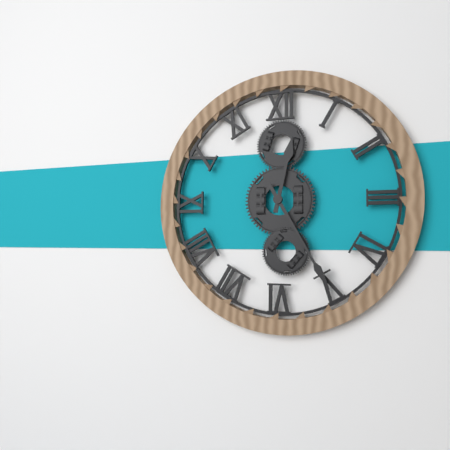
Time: **12:25**
